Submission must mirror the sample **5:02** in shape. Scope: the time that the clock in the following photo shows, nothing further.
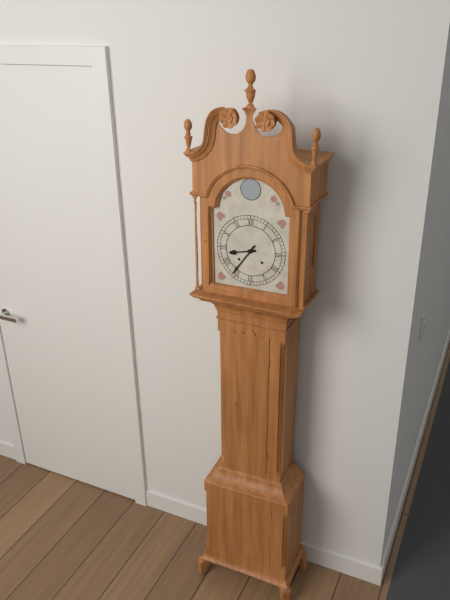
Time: **8:36**
